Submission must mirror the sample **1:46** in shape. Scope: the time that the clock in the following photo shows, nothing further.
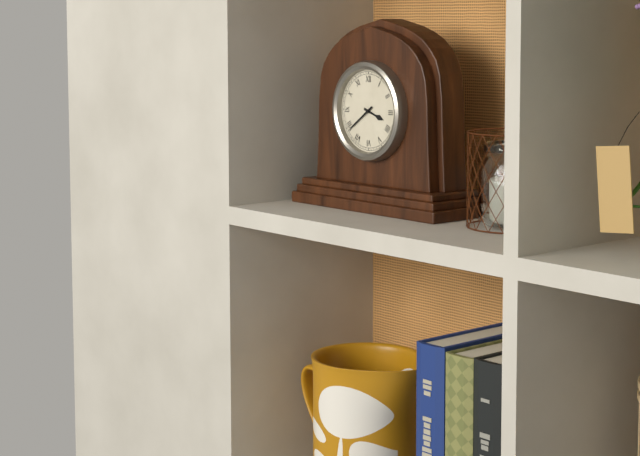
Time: **3:39**
